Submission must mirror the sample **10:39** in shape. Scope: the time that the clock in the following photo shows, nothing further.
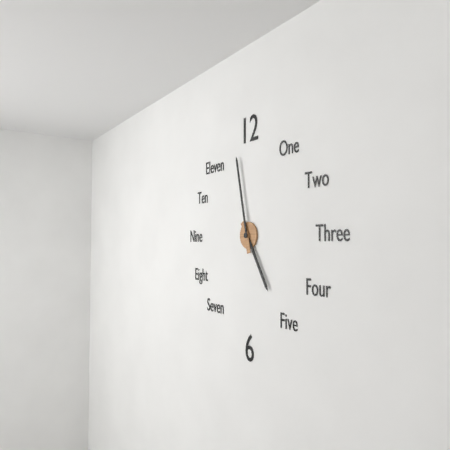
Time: **4:58**
